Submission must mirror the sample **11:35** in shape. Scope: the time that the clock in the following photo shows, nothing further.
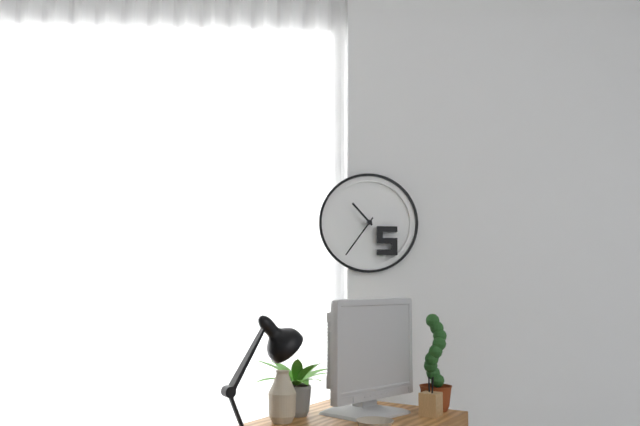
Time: **10:36**
